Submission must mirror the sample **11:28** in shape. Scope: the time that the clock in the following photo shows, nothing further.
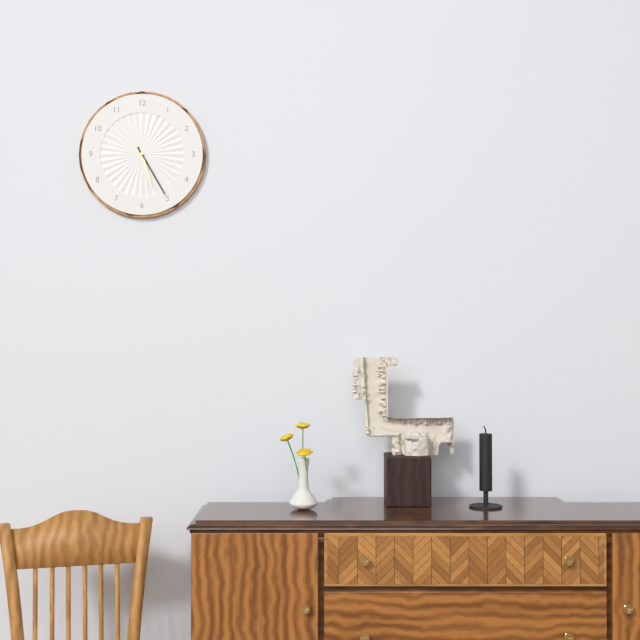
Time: **5:25**
